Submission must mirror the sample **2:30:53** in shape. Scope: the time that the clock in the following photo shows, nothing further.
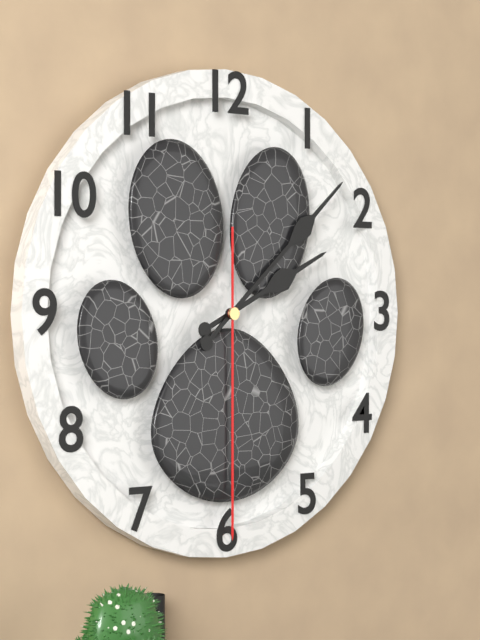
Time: **2:08:30**
